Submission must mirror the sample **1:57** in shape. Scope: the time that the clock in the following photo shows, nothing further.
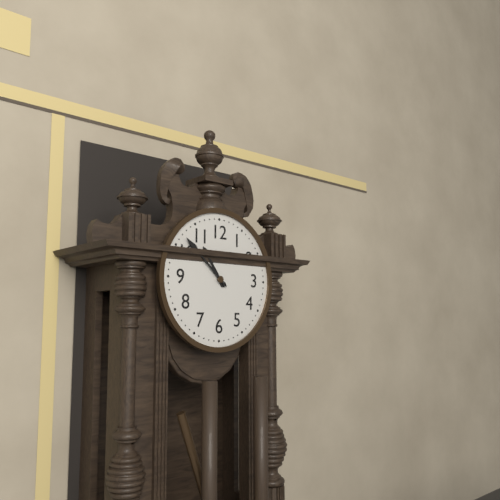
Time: **10:52**
